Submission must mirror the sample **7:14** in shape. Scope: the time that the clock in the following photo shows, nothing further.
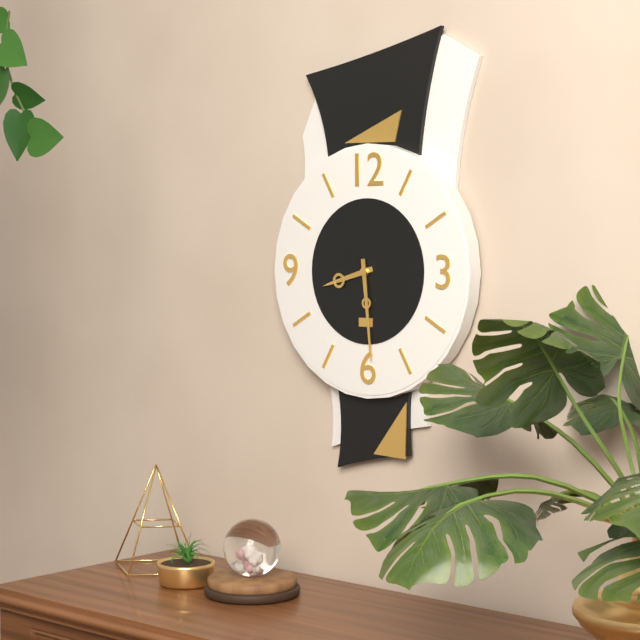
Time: **8:29**
